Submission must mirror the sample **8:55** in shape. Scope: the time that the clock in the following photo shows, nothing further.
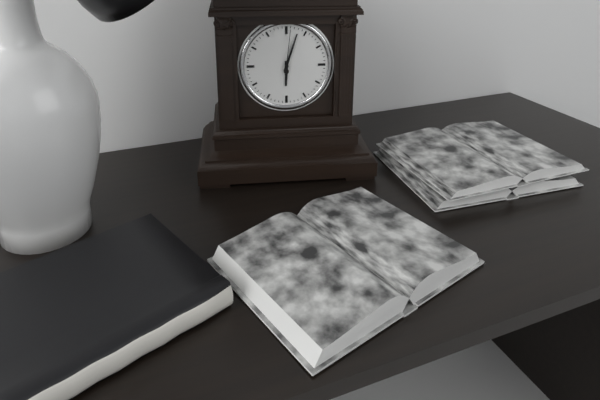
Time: **6:03**
